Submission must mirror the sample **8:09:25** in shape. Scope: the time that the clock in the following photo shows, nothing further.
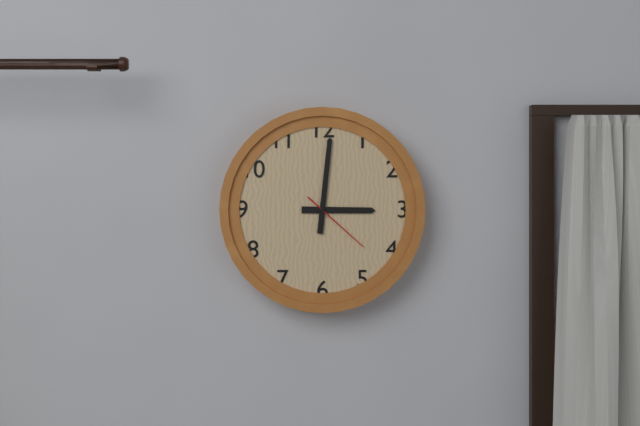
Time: **3:01:22**
